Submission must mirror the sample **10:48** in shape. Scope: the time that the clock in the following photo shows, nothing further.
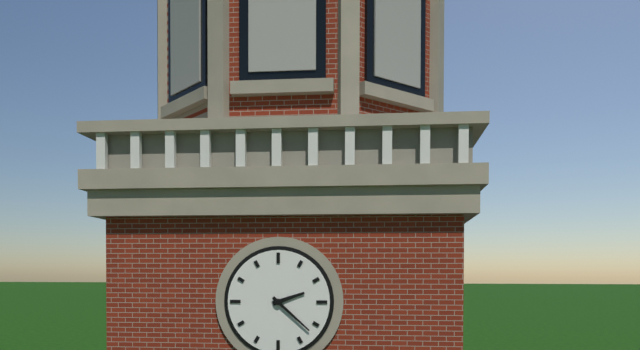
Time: **2:22**
